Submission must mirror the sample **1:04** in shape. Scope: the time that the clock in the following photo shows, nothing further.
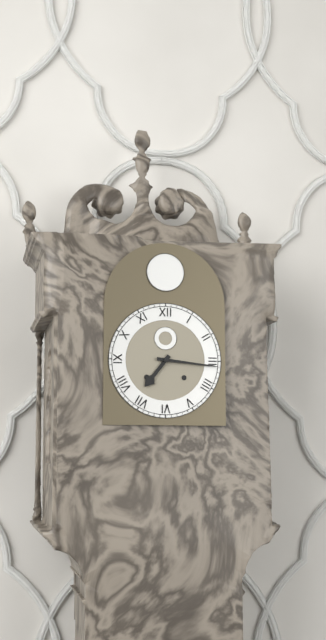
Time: **7:16**
